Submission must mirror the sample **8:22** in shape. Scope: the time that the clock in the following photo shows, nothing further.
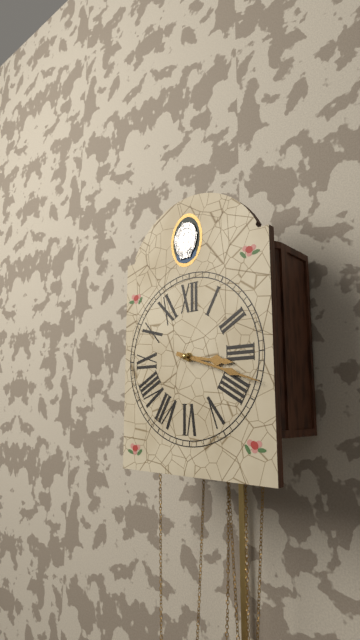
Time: **3:18**
